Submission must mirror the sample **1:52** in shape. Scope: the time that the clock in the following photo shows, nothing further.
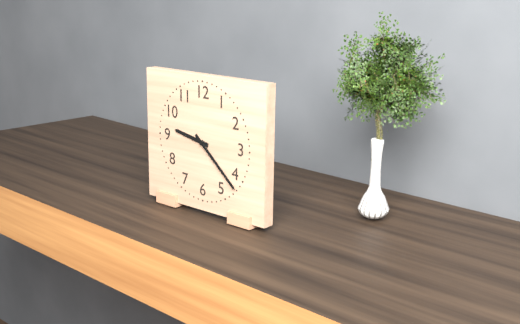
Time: **9:22**
